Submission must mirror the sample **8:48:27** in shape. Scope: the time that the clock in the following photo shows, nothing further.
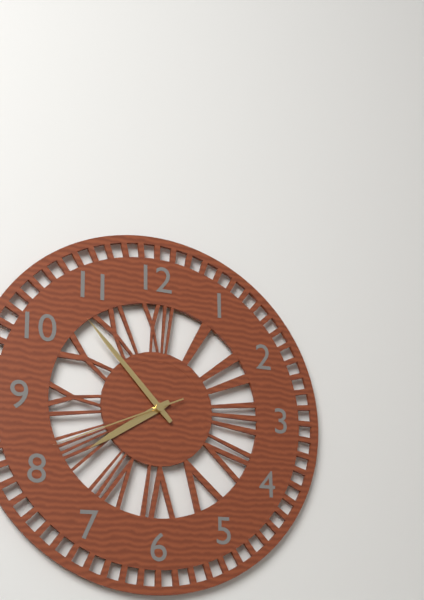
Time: **7:53:41**
